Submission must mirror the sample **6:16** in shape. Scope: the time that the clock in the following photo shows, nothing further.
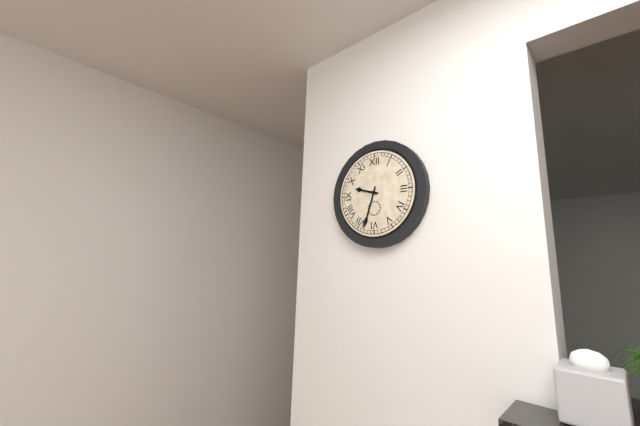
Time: **9:33**
